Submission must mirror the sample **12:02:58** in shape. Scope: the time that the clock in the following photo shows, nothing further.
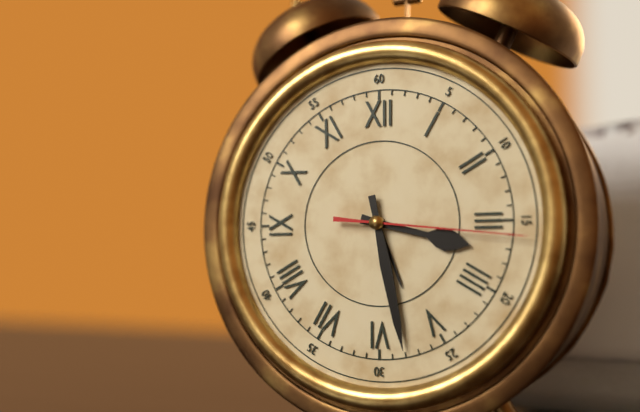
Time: **3:28:16**
